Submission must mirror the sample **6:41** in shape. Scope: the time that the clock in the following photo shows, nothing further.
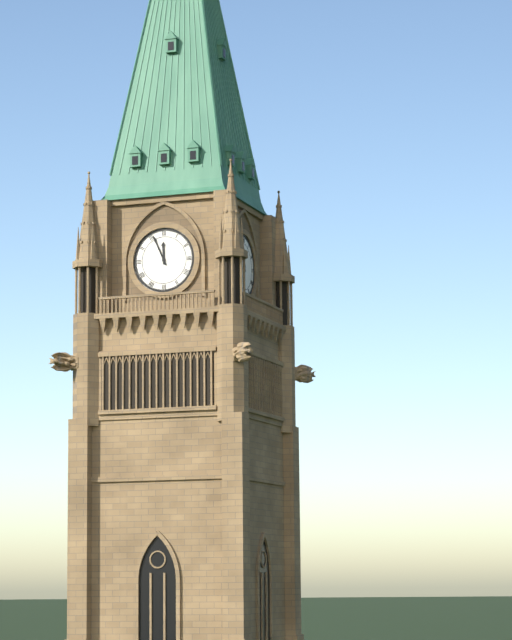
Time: **11:56**
